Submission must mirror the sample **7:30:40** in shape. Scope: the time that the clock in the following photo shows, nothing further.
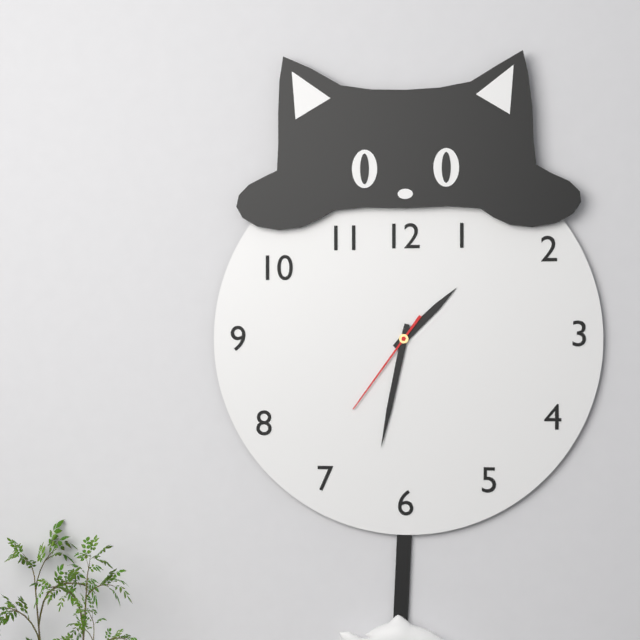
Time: **1:32:36**
